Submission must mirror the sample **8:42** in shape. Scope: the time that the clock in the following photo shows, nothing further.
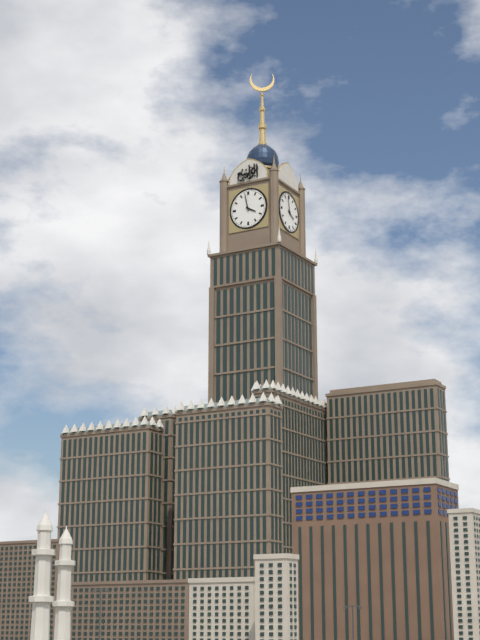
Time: **3:58**
